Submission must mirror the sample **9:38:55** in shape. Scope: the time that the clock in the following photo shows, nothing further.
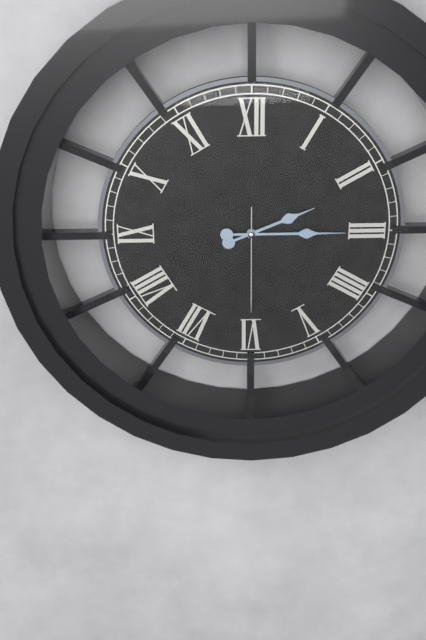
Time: **2:15:30**
